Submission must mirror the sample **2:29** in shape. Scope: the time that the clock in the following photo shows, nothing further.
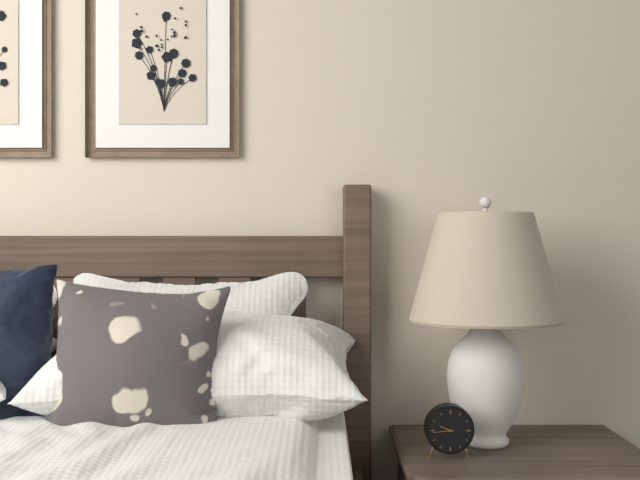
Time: **9:44**
